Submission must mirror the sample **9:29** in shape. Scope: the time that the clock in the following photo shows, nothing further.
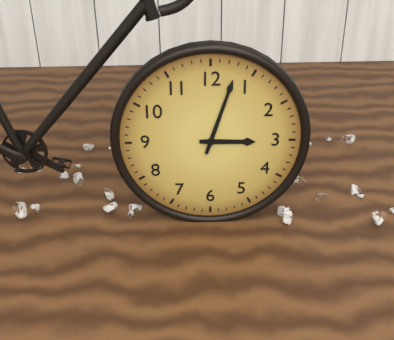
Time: **3:03**
